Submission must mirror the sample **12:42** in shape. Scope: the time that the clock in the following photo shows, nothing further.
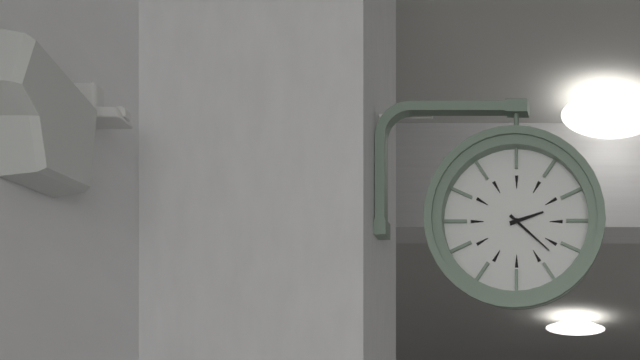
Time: **2:22**
